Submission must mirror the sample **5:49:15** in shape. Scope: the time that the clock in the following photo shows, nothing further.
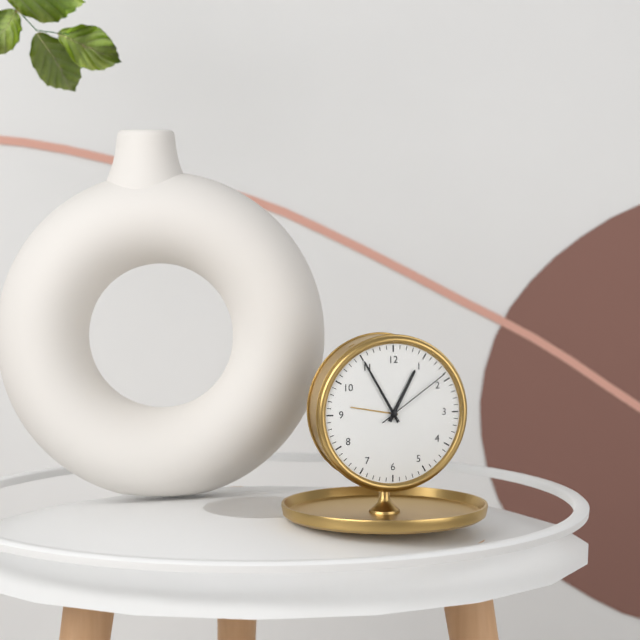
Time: **12:55:09**
